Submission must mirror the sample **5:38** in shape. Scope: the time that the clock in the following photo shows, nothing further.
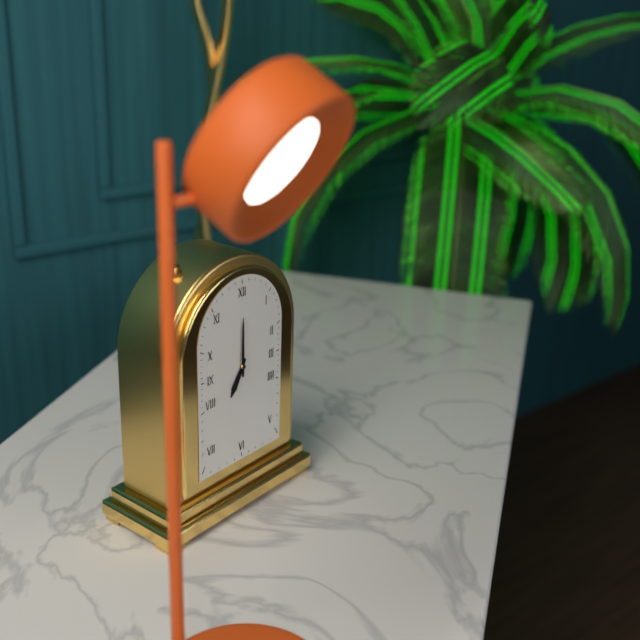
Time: **7:00**
